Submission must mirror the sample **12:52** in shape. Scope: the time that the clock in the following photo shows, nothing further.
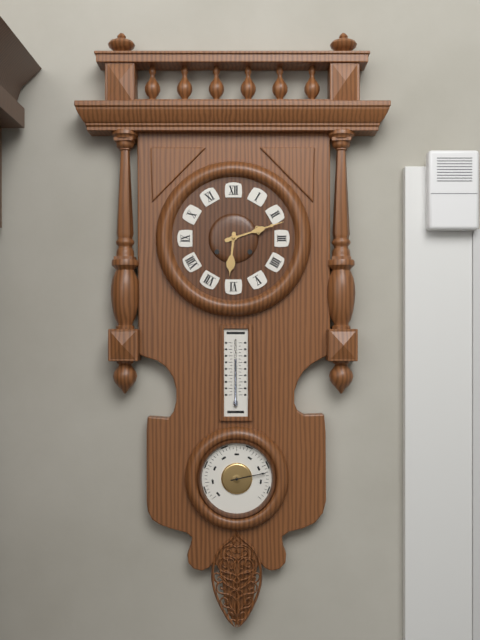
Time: **6:12**
